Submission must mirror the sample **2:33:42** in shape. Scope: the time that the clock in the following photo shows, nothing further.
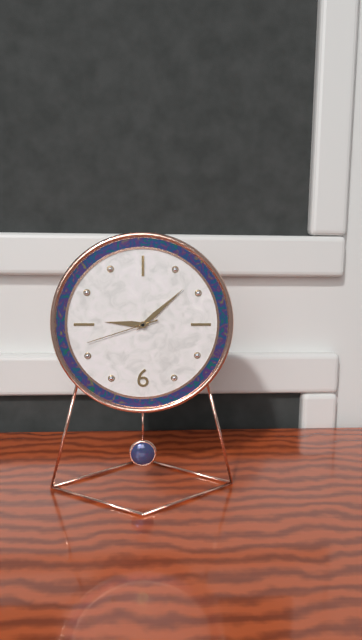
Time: **9:08:42**
